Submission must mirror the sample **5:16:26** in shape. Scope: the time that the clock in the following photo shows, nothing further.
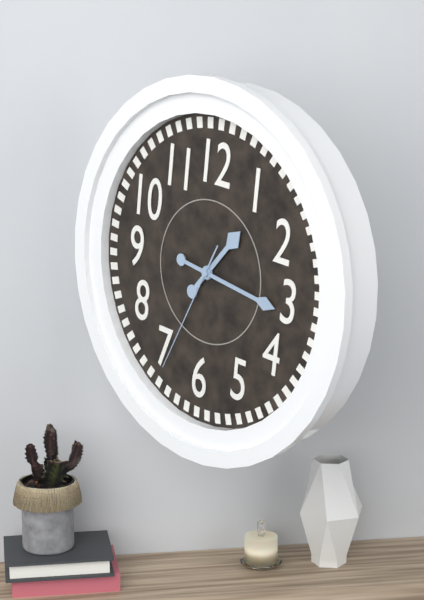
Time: **1:16:34**
